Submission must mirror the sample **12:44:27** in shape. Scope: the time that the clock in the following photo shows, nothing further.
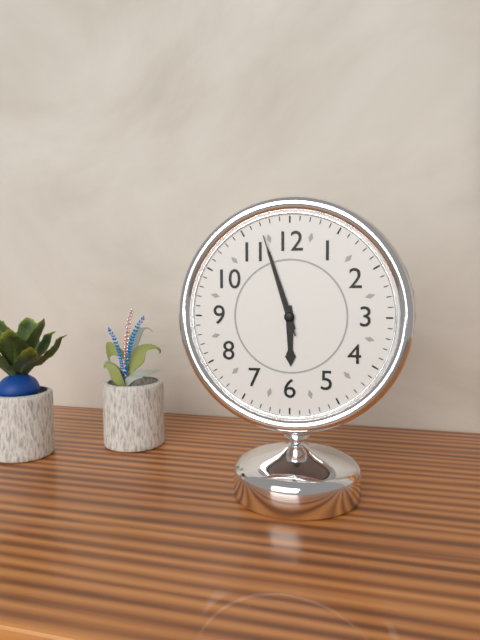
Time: **5:57:57**
